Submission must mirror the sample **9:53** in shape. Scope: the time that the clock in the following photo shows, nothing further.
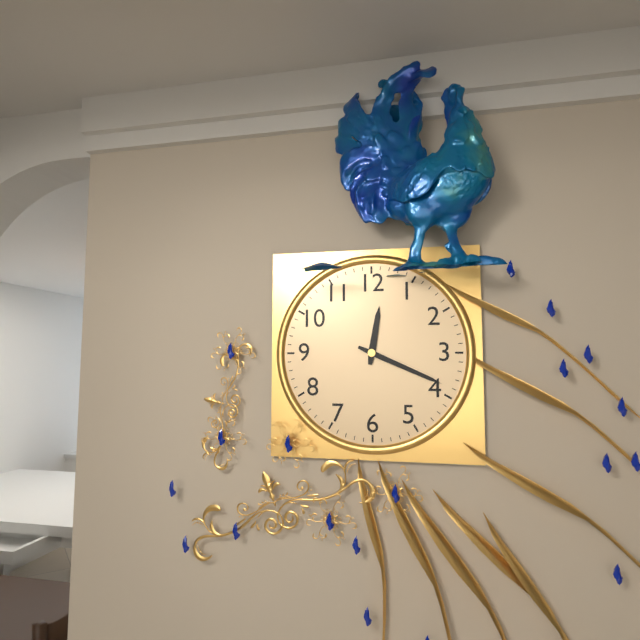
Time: **12:19**
